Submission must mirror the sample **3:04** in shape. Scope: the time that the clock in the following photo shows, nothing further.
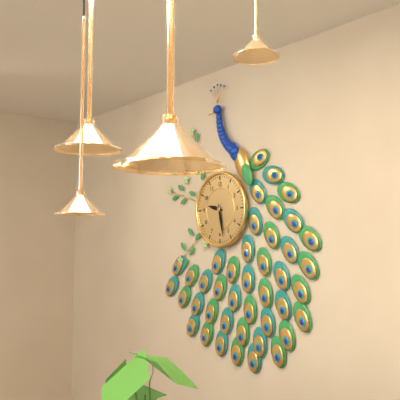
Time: **9:28**
